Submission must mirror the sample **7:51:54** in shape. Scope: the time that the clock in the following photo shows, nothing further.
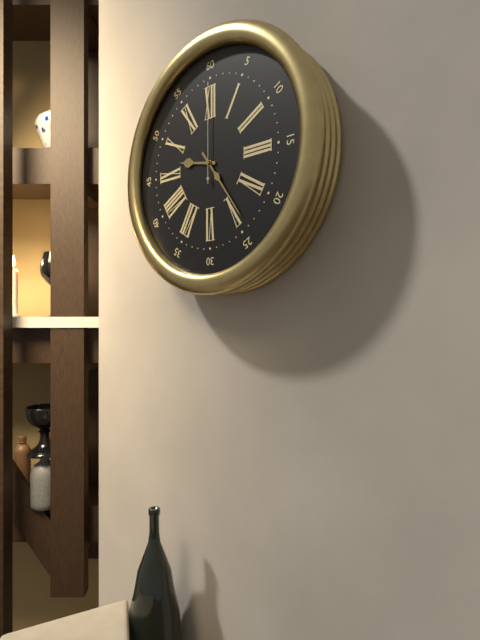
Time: **9:24:00**
